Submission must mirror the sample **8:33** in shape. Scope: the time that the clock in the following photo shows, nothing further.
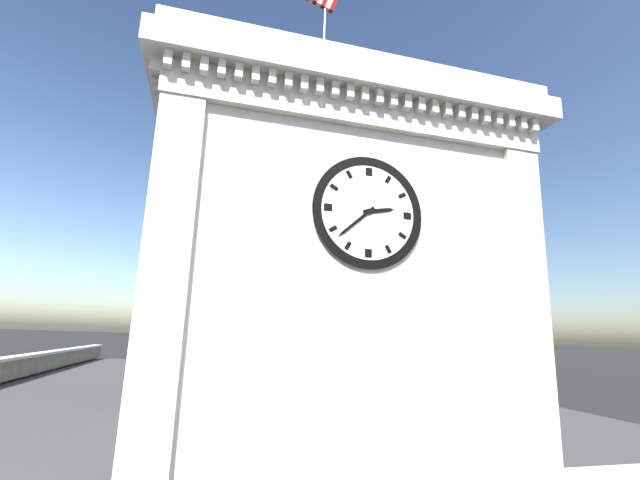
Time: **2:38**
